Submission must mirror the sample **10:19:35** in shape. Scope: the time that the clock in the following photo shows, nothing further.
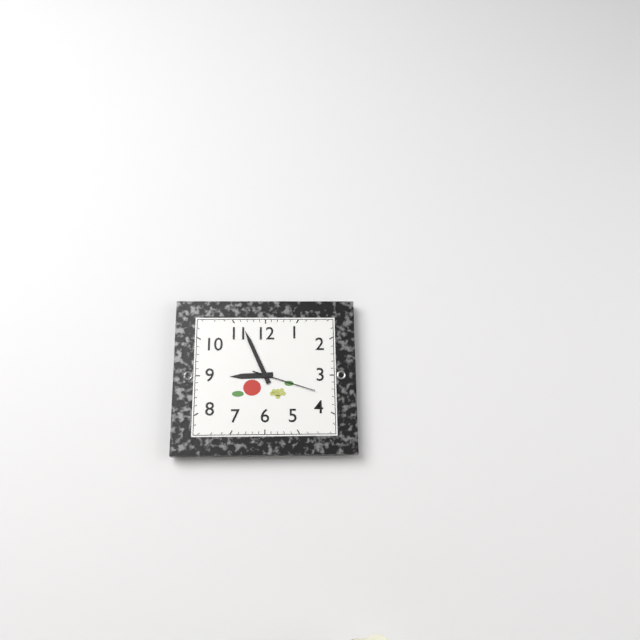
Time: **8:56:18**
